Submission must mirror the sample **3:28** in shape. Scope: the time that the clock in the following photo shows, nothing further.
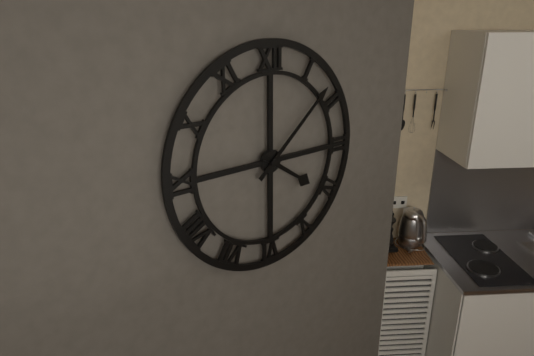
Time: **4:08**
